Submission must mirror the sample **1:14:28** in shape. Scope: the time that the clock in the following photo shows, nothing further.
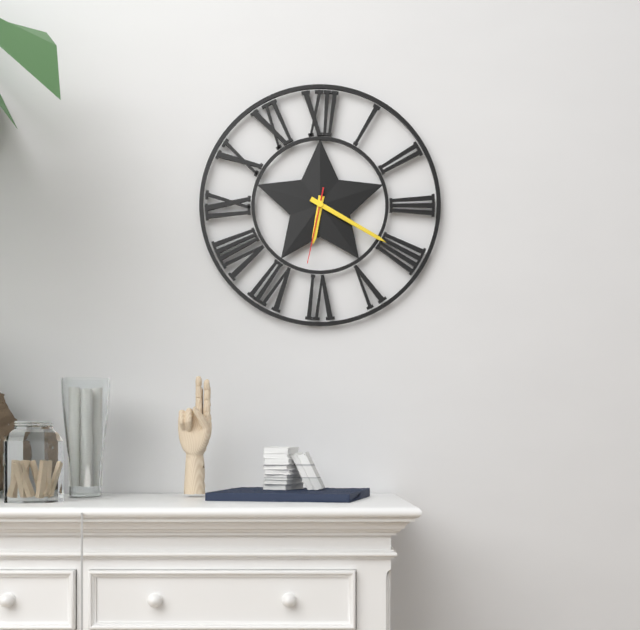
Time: **6:20:32**
